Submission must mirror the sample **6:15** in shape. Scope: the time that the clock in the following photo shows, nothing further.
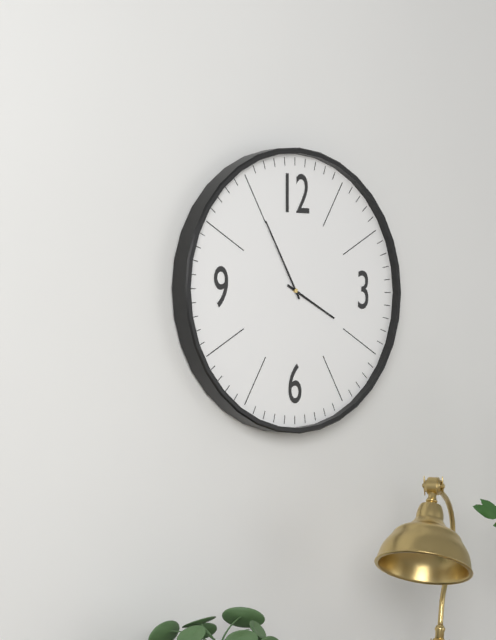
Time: **3:55**
